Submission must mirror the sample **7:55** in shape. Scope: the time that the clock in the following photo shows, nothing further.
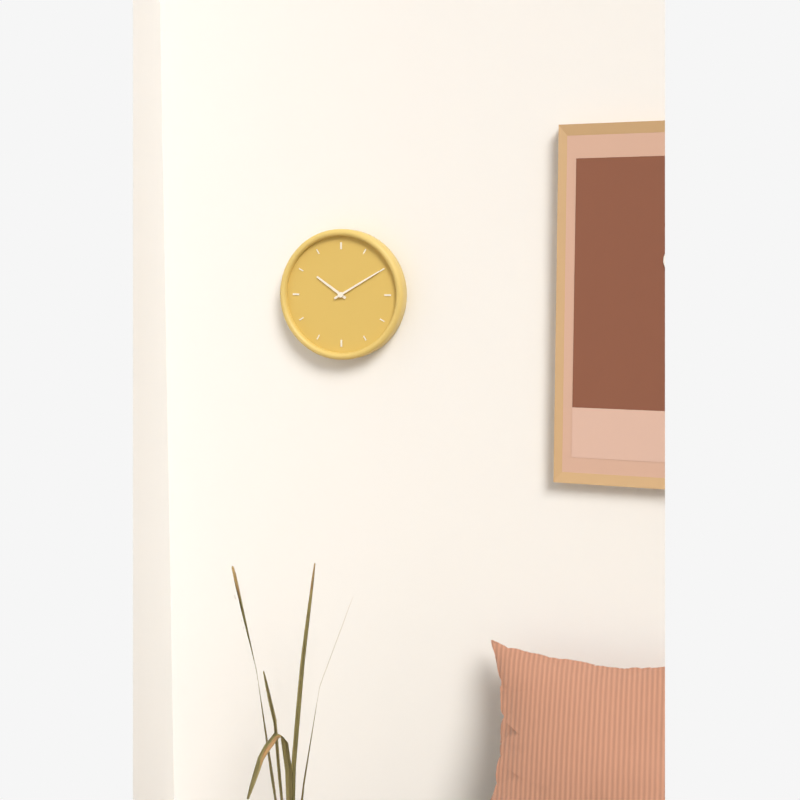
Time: **10:10**
